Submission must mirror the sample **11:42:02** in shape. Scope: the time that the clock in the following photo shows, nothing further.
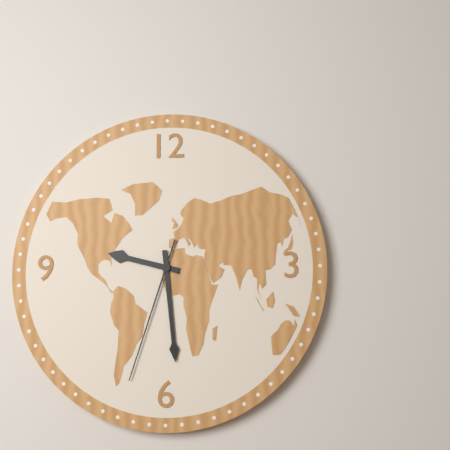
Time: **9:29:33**
